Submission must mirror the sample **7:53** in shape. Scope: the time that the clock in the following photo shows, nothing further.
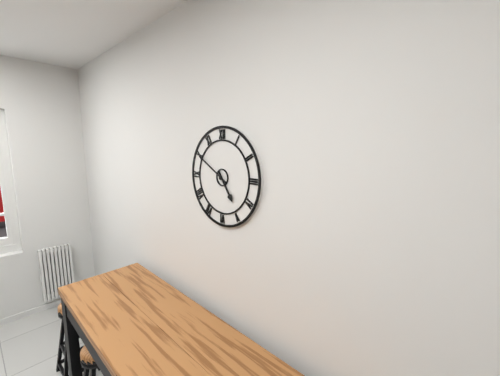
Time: **4:50**
